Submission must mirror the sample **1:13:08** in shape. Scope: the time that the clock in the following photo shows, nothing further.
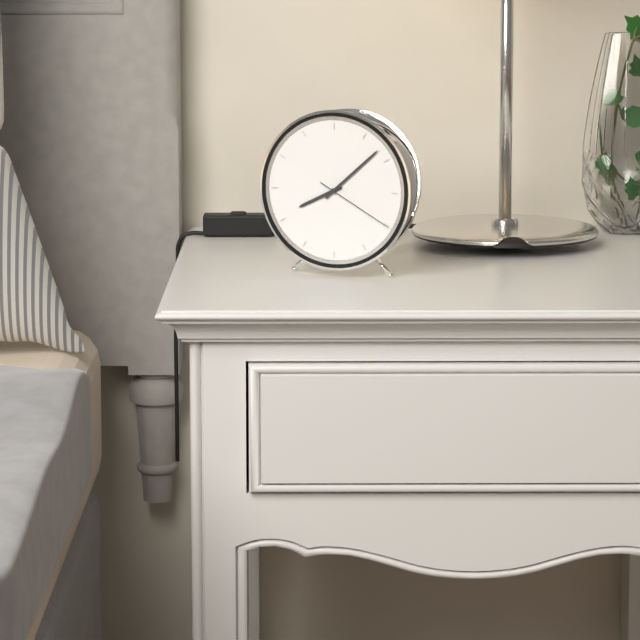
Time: **8:08:20**
